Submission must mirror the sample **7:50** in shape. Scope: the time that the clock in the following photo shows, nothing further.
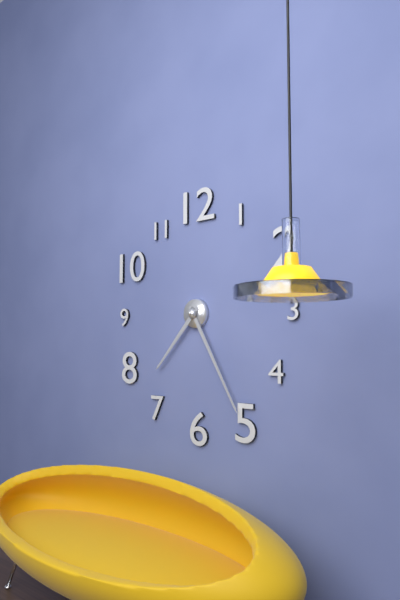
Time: **7:25**
